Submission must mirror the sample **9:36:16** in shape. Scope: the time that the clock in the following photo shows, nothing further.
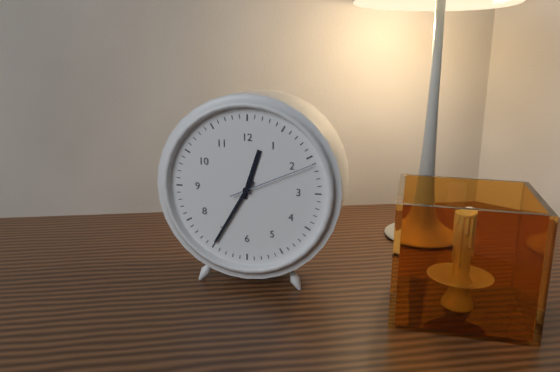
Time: **12:35:11**
